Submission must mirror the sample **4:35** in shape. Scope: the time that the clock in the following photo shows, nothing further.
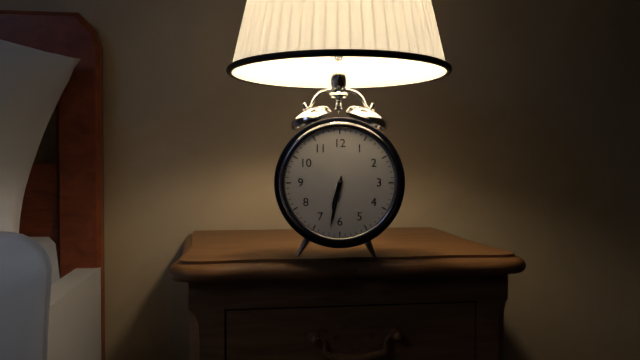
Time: **6:32**
